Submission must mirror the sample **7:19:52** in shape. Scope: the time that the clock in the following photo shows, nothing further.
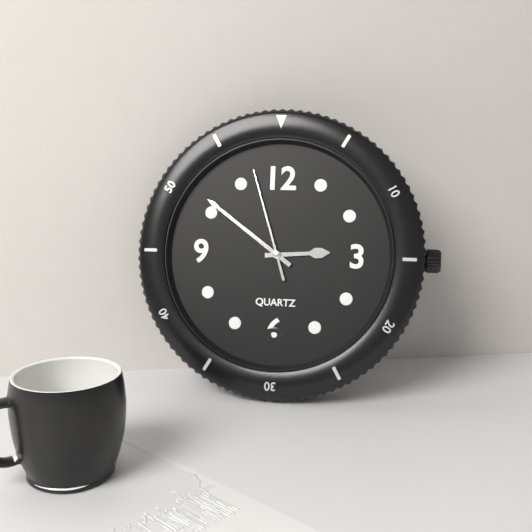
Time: **2:51:57**
